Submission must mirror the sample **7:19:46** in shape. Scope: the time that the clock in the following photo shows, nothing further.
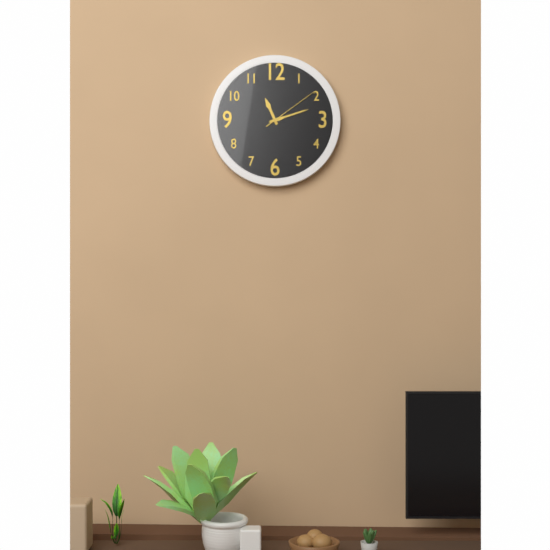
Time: **11:12:09**
